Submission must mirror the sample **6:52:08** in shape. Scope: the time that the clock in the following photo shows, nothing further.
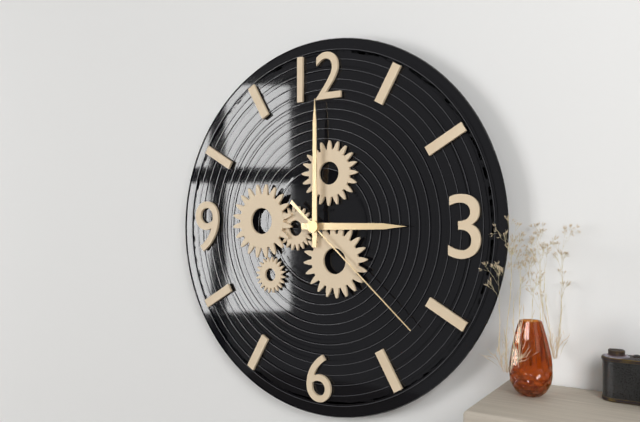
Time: **3:00:22**
